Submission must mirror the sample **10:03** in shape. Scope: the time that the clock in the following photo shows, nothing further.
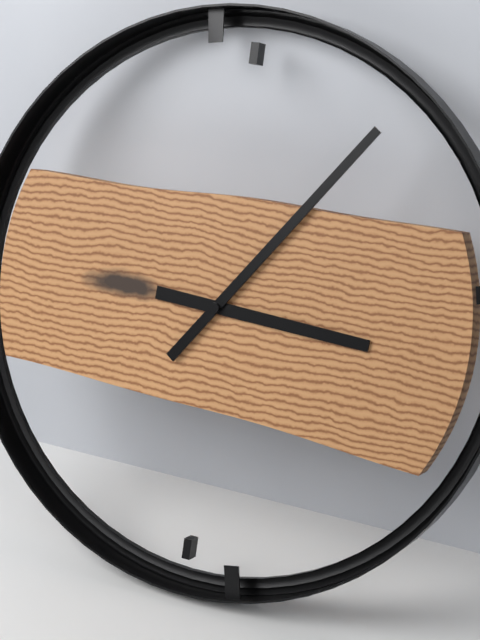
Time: **3:06**
